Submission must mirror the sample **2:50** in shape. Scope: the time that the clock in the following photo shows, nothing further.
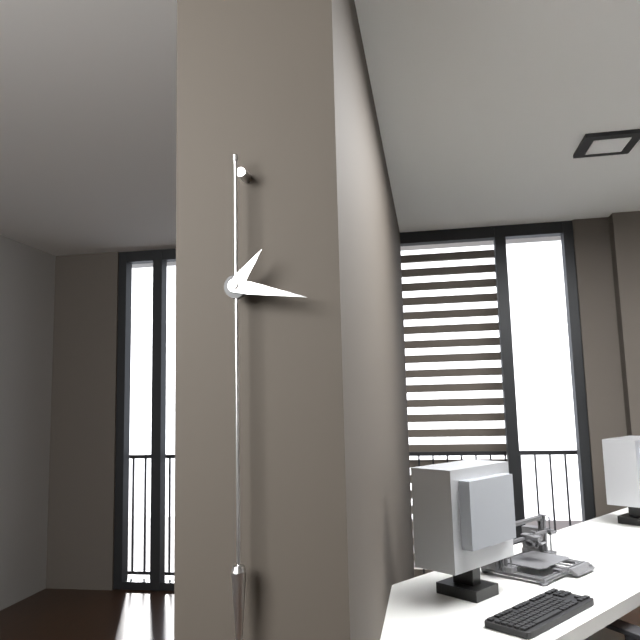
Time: **1:17**
